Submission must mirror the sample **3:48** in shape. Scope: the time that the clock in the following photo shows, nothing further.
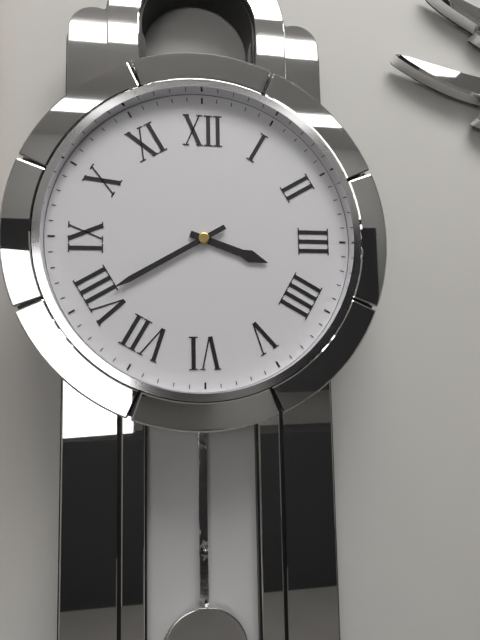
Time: **3:40**
